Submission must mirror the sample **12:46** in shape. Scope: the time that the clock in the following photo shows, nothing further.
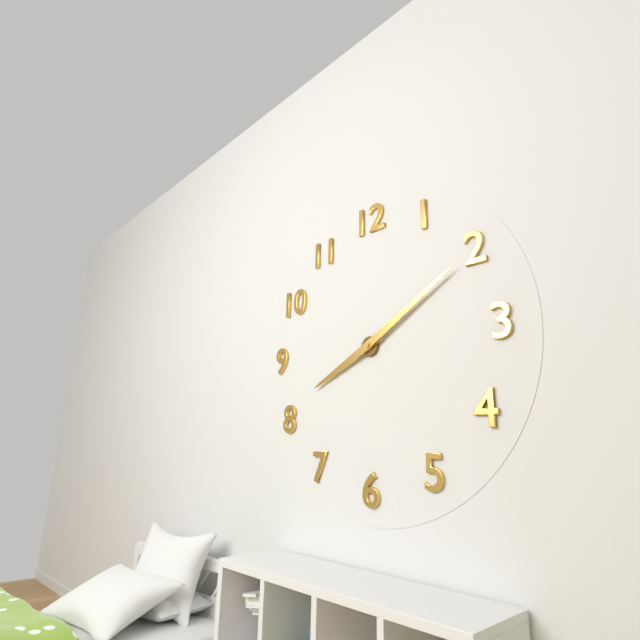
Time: **8:10**
